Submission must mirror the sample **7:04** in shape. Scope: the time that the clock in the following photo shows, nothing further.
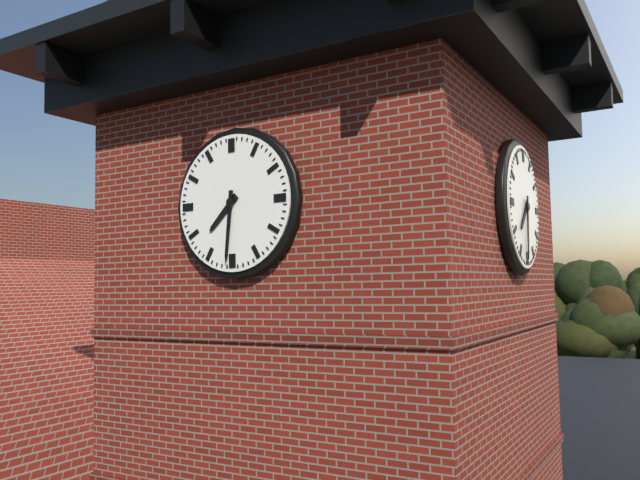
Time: **7:31**
